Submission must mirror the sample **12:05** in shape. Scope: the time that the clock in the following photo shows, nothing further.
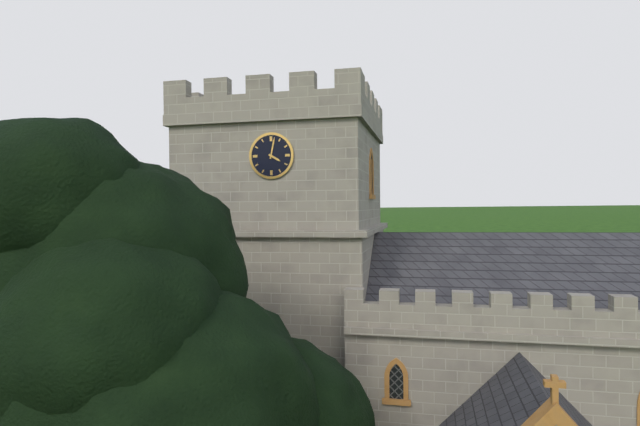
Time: **4:02**
